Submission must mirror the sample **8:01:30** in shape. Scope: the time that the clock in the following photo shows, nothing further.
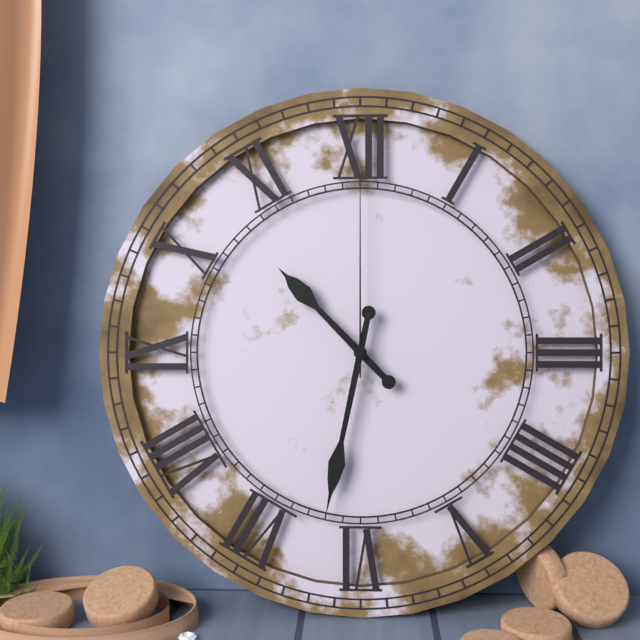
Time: **10:32:00**
